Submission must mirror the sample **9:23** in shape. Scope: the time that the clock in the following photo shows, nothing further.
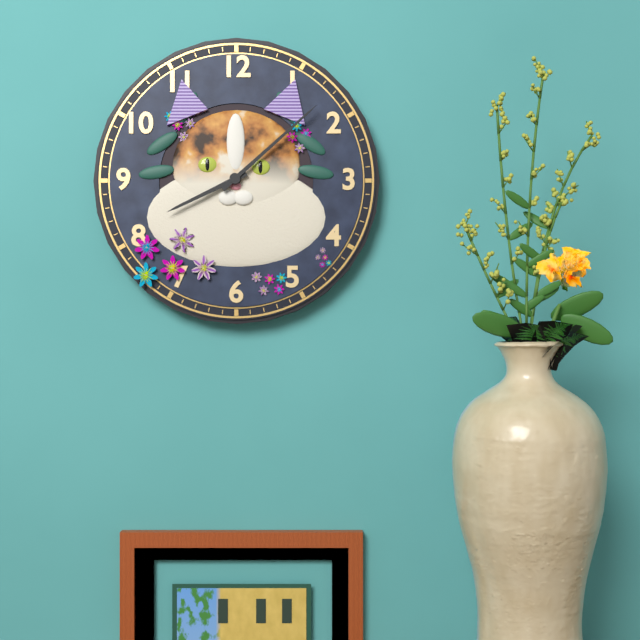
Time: **8:08**
